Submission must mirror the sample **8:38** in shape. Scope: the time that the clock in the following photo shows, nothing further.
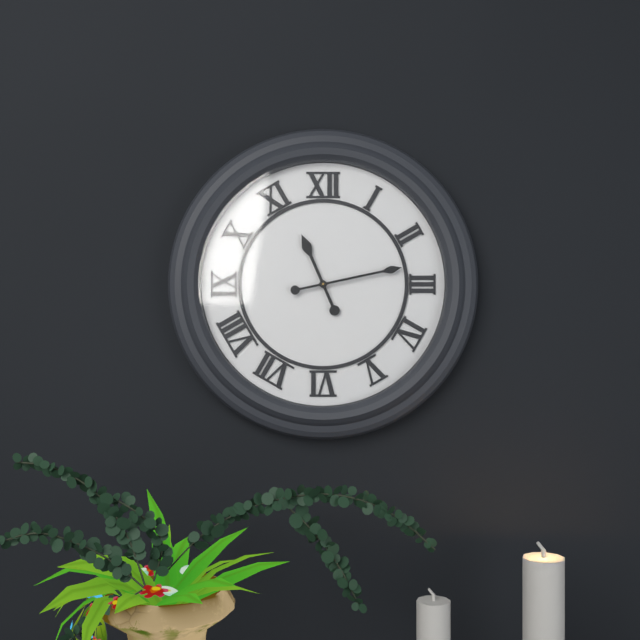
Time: **11:13**
